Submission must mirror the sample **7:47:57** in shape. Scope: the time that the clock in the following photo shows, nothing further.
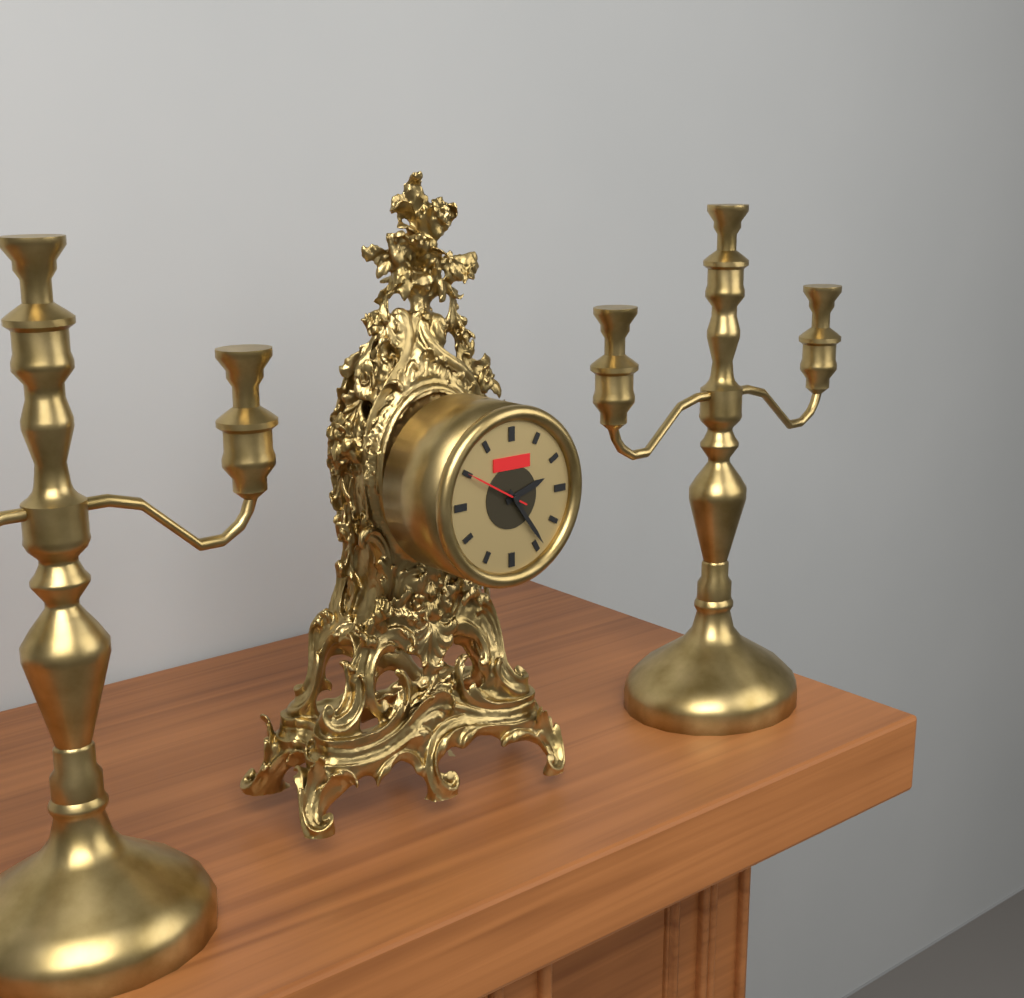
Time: **2:24:50**
